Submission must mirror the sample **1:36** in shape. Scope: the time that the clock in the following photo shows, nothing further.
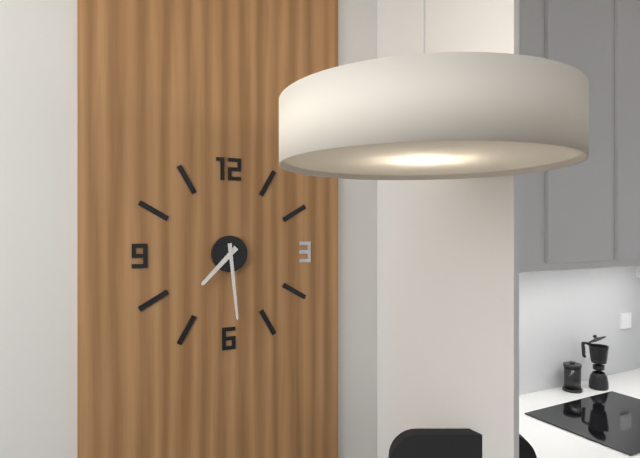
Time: **7:29**
